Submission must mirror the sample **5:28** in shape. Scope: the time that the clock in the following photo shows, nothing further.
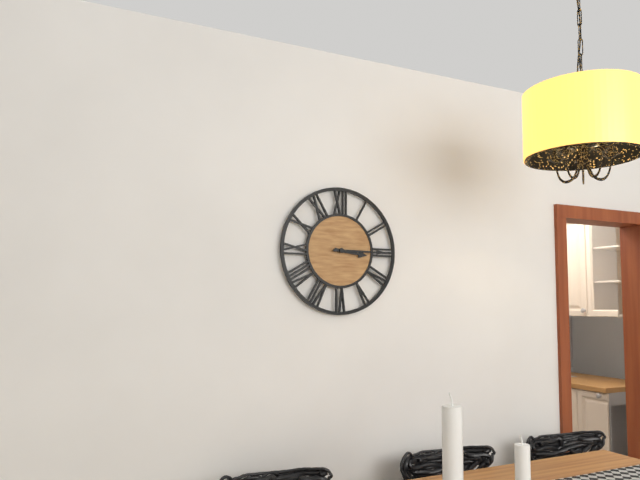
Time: **3:15**
